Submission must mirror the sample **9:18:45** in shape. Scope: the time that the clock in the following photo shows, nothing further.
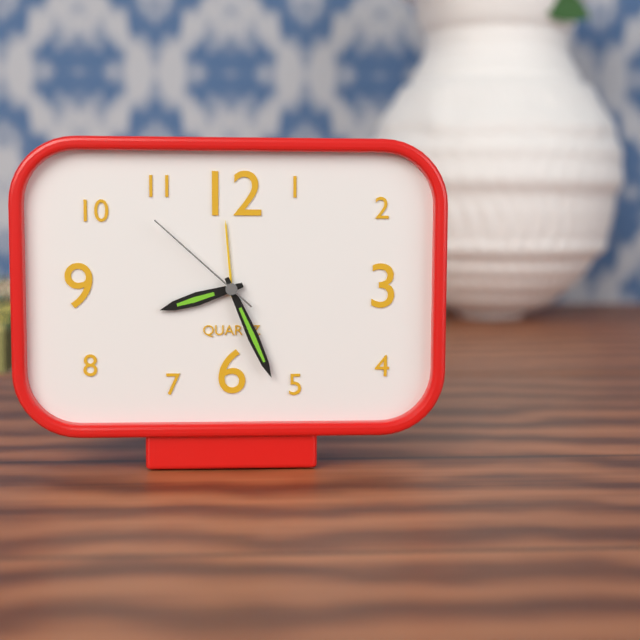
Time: **8:26:52**
